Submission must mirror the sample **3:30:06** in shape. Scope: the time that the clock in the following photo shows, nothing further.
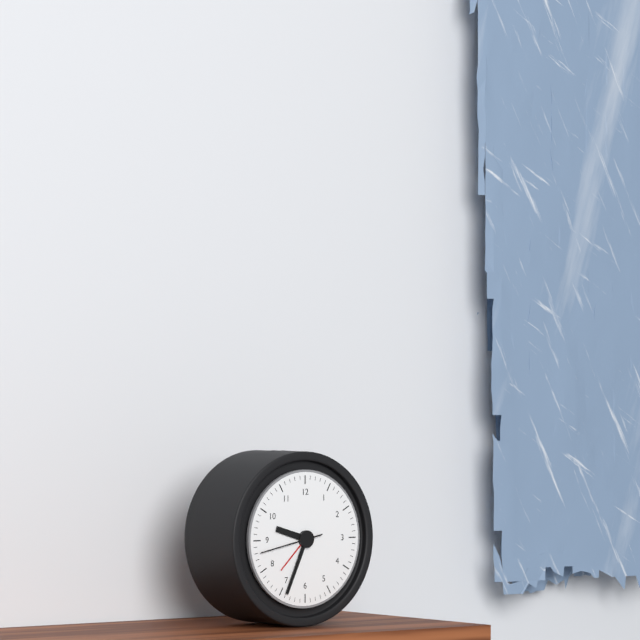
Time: **9:34:43**
